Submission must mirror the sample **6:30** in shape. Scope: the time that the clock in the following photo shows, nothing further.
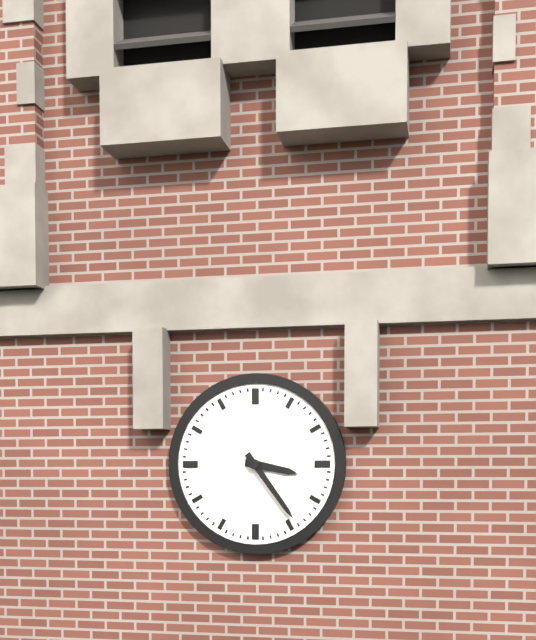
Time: **3:24**
